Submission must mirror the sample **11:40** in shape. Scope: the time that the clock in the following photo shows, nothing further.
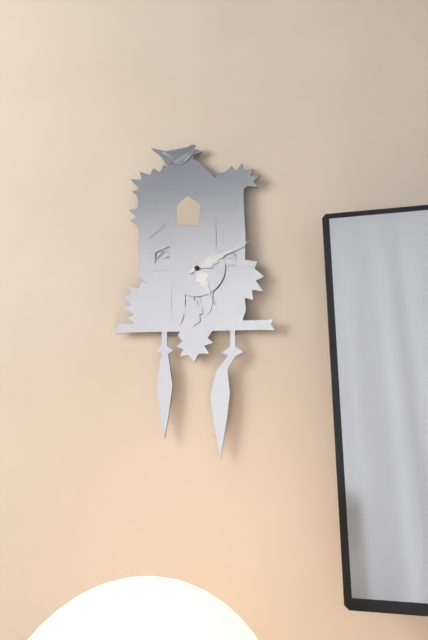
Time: **5:11**
